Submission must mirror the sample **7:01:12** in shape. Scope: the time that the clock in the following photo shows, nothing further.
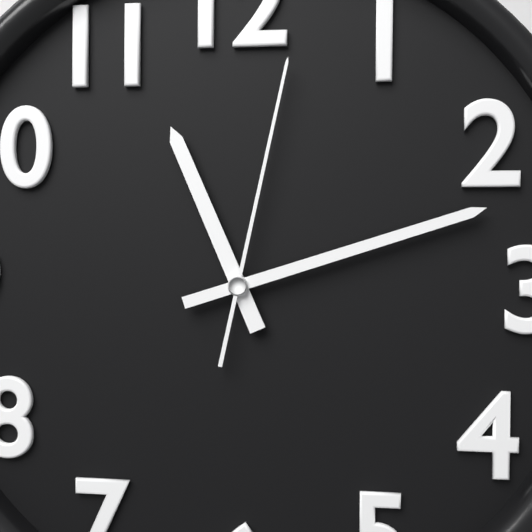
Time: **11:12:02**
